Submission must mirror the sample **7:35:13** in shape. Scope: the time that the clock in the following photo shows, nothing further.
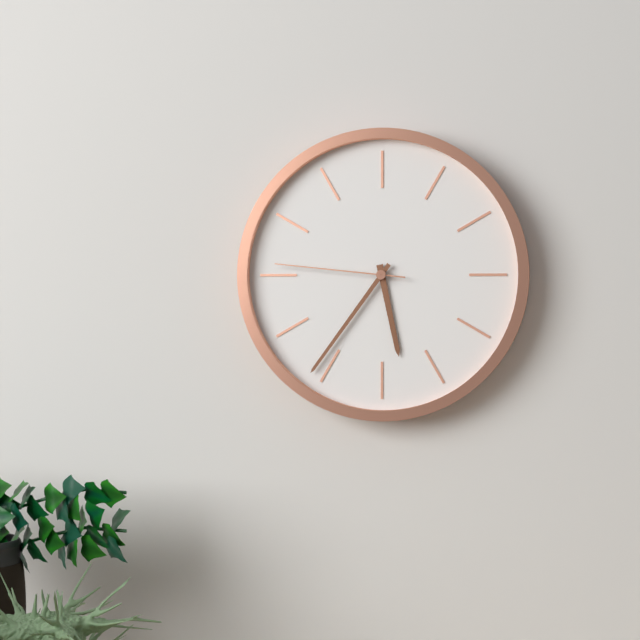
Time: **5:36:46**
